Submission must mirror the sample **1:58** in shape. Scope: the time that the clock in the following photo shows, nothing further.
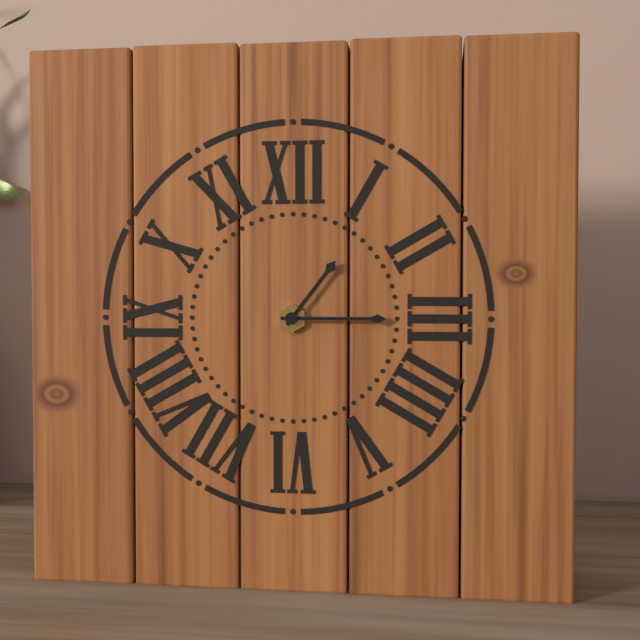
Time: **1:15**
